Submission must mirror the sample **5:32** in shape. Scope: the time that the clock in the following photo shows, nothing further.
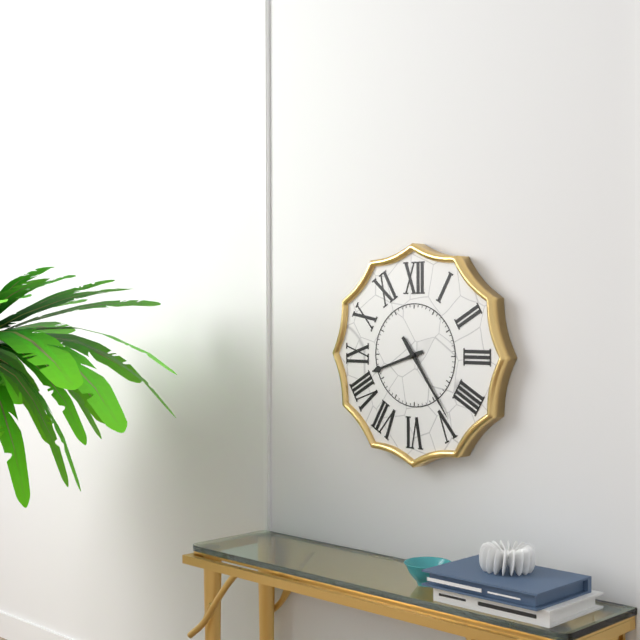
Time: **8:24**
